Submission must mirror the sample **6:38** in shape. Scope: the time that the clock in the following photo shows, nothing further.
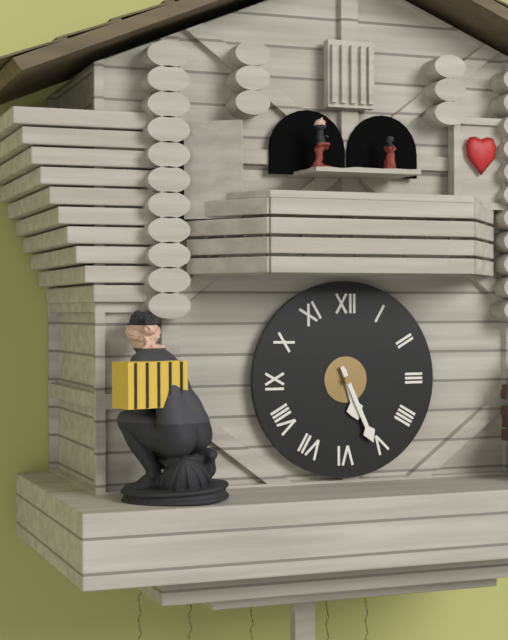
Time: **5:26**
